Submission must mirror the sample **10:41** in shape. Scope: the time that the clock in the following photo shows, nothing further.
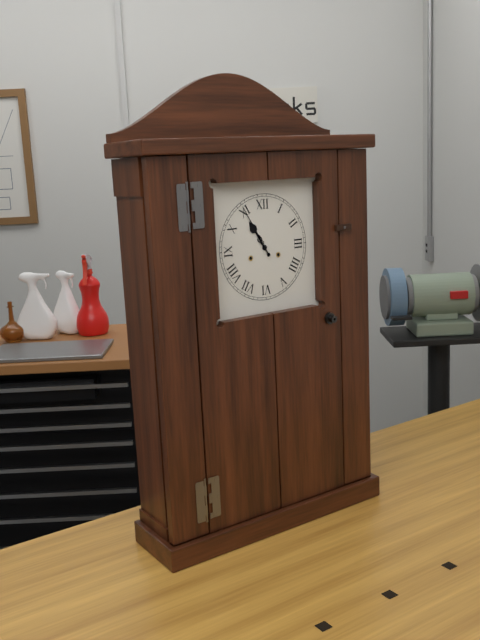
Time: **10:55**
